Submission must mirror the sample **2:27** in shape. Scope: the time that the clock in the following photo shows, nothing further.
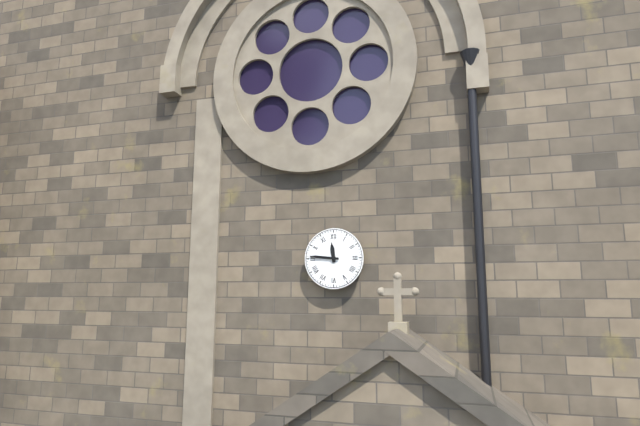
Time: **11:46**
